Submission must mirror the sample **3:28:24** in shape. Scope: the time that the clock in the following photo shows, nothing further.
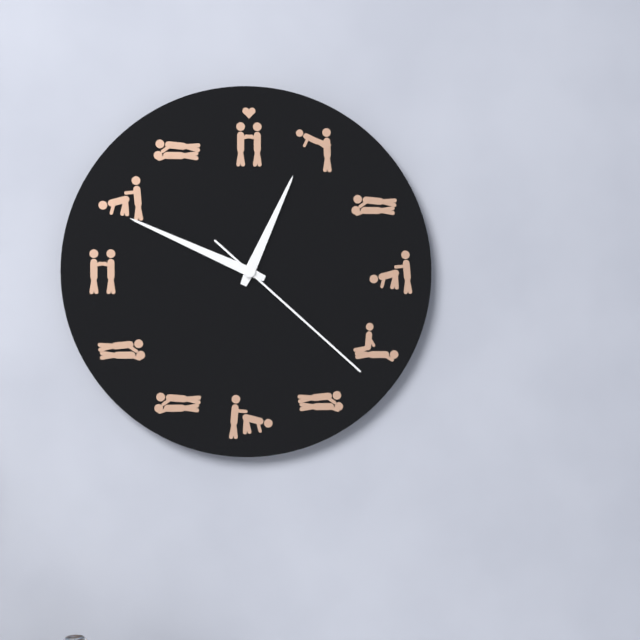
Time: **12:49:22**
